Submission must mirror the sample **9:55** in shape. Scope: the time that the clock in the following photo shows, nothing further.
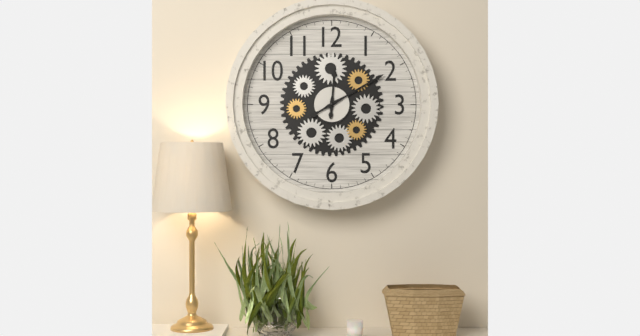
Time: **12:10**
